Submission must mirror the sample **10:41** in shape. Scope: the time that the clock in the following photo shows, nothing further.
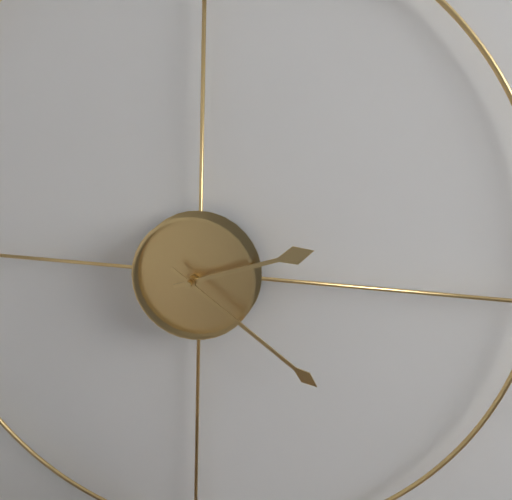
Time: **2:21**
